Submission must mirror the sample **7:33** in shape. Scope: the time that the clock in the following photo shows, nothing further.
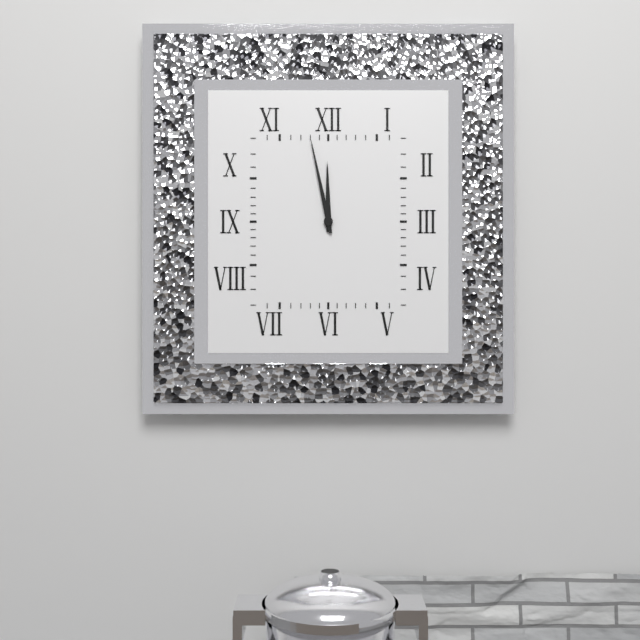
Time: **11:58**
